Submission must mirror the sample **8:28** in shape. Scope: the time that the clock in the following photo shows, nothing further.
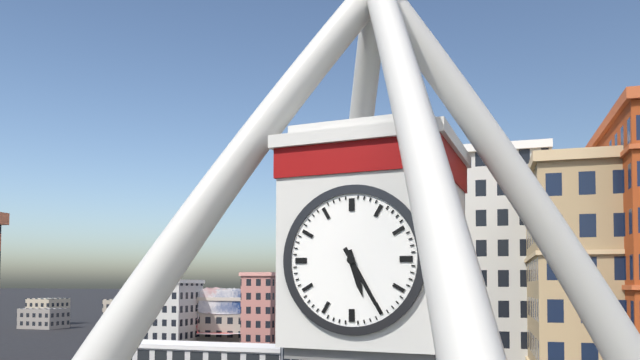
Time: **5:25**
